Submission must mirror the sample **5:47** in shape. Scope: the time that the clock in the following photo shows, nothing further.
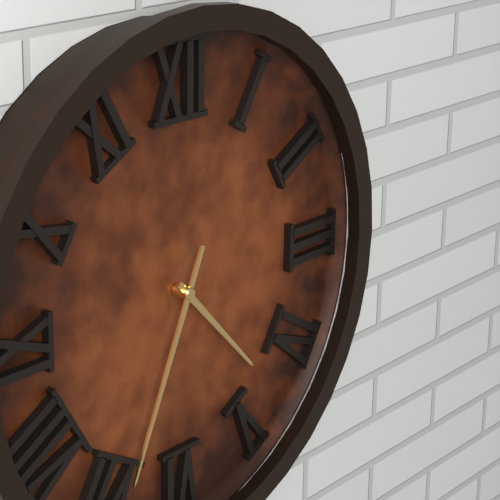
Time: **4:34**
